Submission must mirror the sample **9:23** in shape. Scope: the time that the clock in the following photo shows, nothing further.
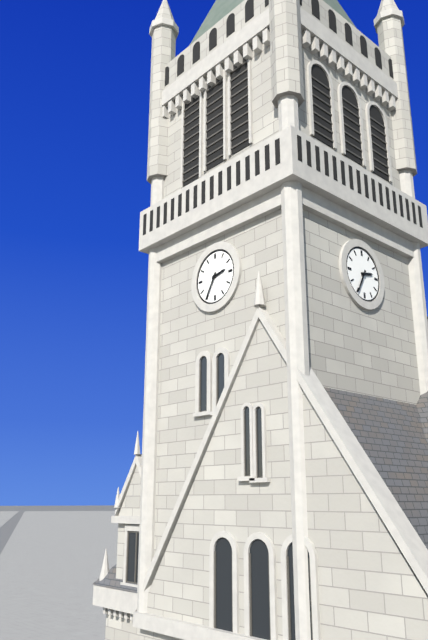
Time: **2:35**
